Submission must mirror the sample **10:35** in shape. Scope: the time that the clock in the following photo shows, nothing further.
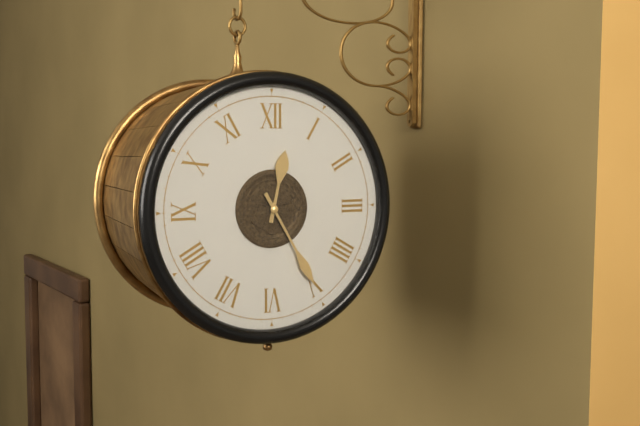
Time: **12:25**
